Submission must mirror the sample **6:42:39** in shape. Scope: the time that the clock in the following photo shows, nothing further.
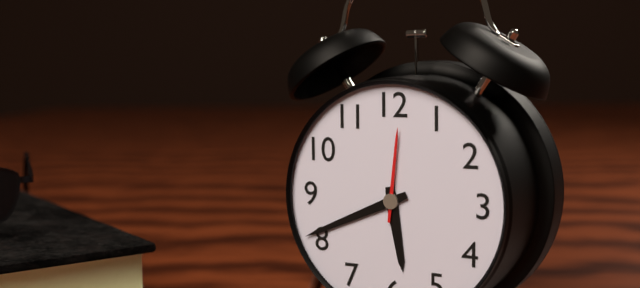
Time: **5:41:01**
